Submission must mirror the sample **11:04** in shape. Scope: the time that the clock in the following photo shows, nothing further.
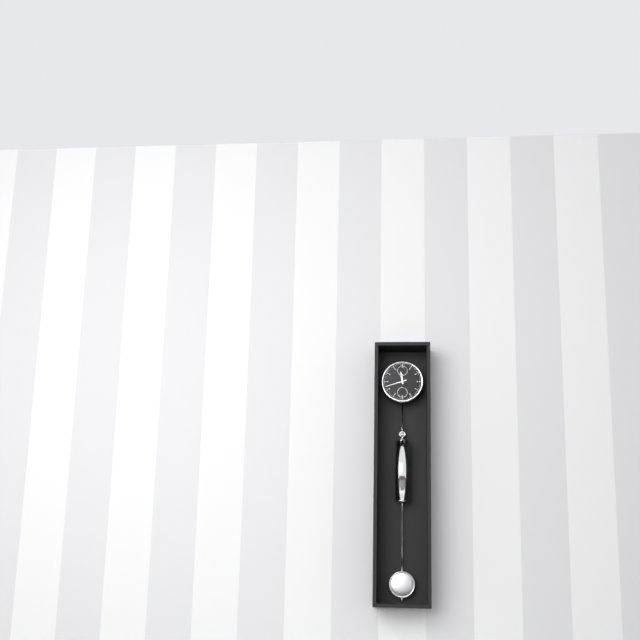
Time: **11:42**
